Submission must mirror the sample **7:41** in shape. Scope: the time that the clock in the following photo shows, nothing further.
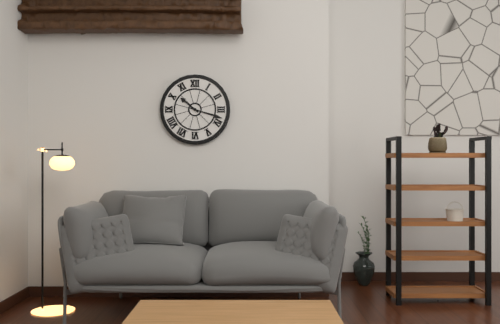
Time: **10:18**
